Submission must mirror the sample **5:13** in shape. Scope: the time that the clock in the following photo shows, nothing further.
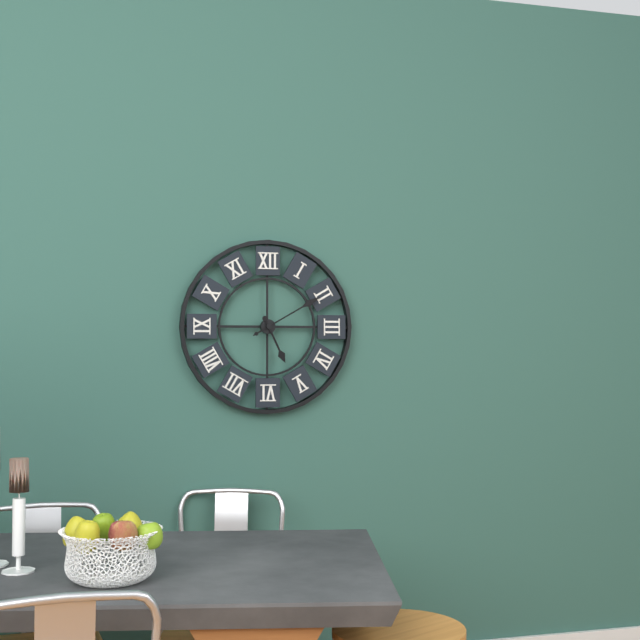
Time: **5:10**
